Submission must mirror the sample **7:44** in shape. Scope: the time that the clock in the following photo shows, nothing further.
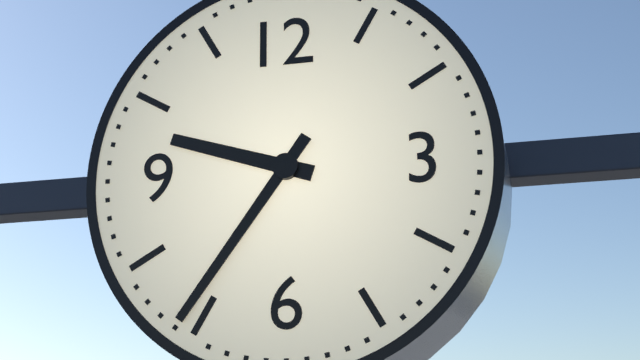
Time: **9:36**
